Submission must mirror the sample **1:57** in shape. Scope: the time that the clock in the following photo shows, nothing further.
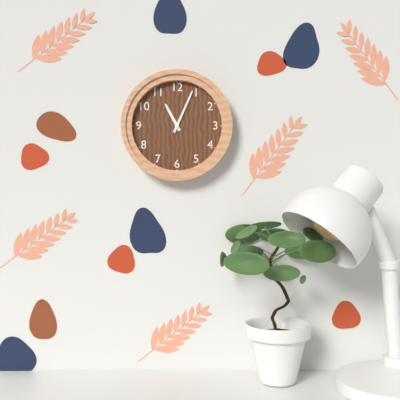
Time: **11:04**
